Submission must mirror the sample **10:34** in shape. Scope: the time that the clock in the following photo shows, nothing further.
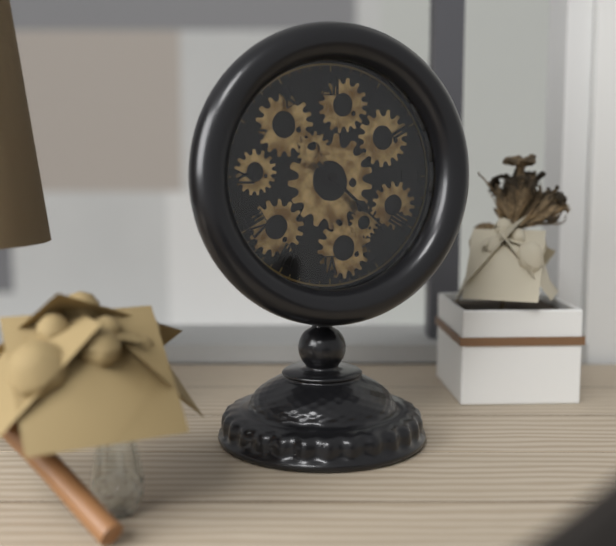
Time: **4:22**
